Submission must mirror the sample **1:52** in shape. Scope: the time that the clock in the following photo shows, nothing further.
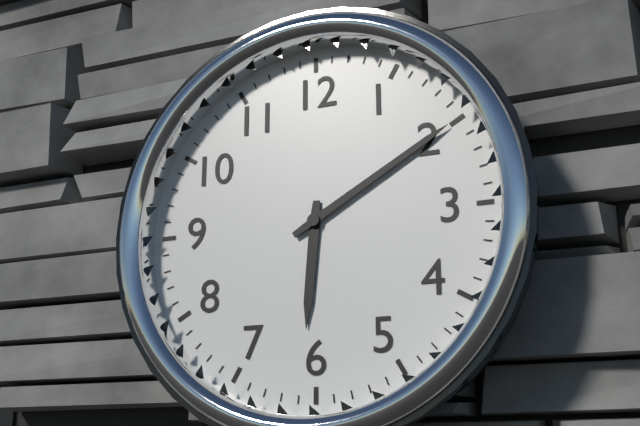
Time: **6:10**
